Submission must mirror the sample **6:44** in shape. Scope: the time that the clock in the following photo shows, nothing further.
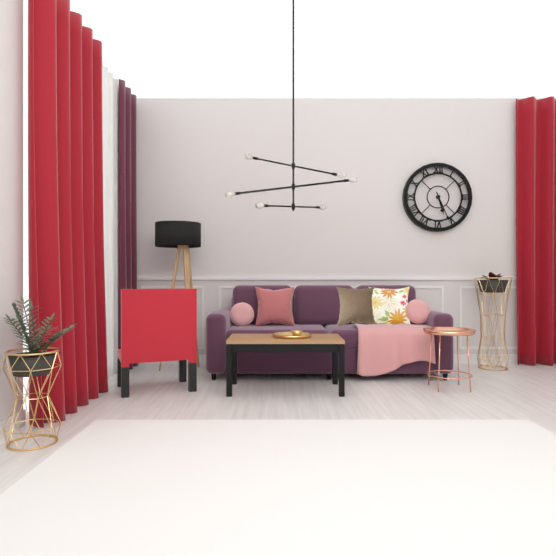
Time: **5:26**
